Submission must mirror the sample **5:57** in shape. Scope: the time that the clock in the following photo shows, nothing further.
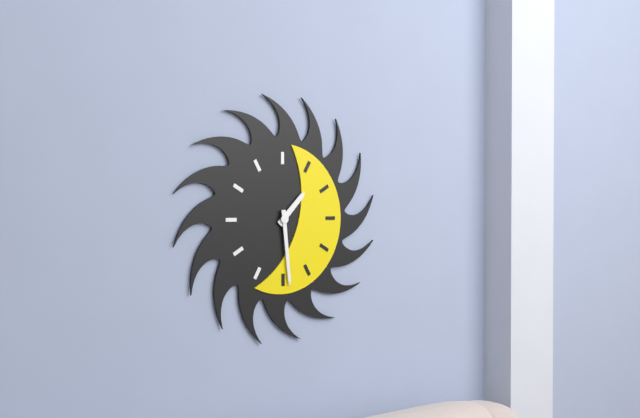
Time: **1:29**
